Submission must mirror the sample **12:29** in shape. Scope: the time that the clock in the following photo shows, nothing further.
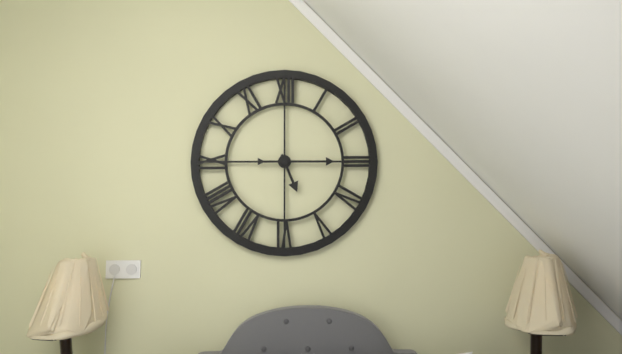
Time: **5:15**
